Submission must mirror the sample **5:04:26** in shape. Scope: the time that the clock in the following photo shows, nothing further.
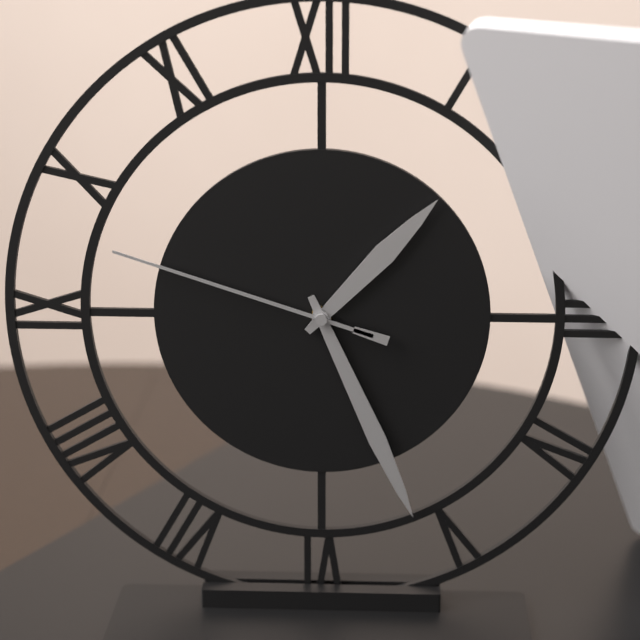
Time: **1:26:48**
